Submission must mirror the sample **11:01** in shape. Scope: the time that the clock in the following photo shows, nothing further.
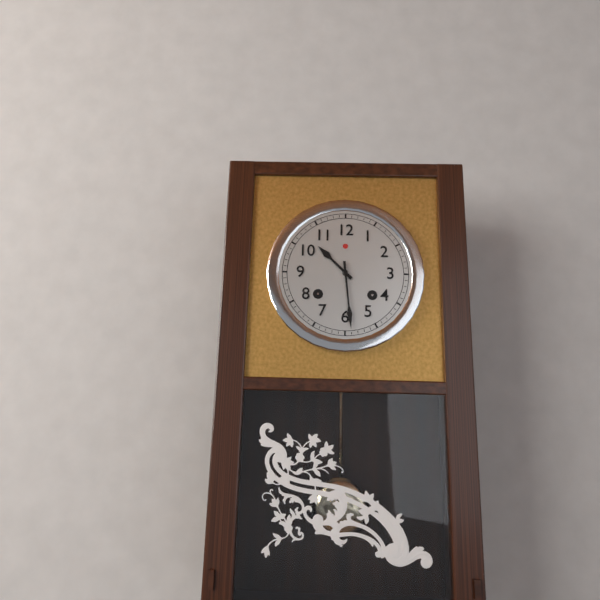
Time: **10:29**
